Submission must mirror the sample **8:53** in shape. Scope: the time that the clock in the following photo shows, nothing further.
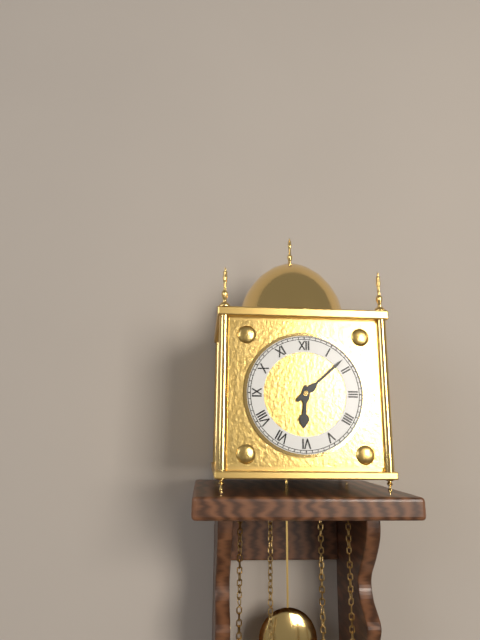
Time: **6:08**
